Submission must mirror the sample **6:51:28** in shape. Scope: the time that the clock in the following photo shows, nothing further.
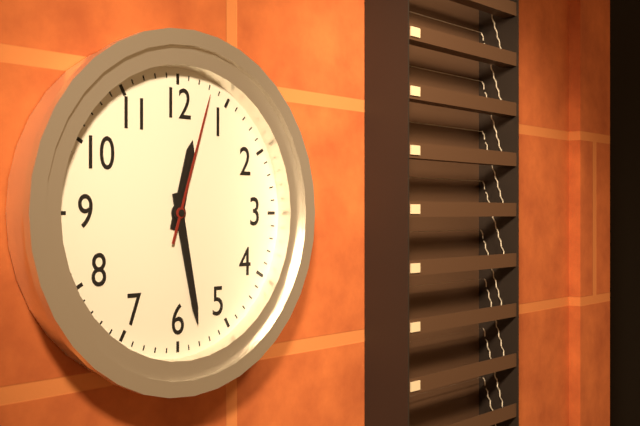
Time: **12:28:03**
